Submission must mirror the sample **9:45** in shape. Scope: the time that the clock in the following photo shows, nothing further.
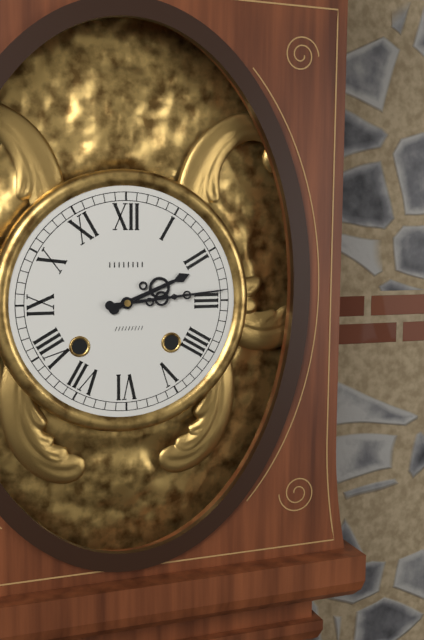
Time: **2:14**
